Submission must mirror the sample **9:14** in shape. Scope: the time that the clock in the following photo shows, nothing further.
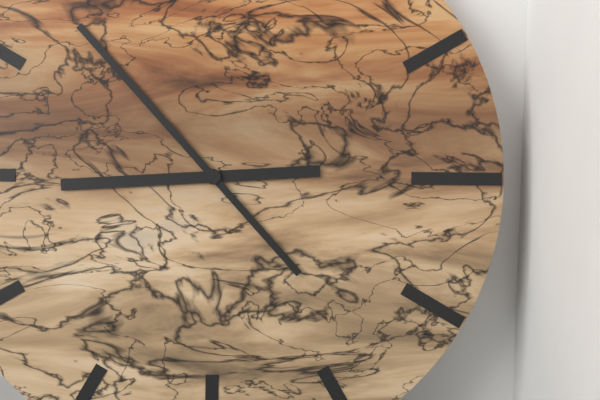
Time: **8:53**
